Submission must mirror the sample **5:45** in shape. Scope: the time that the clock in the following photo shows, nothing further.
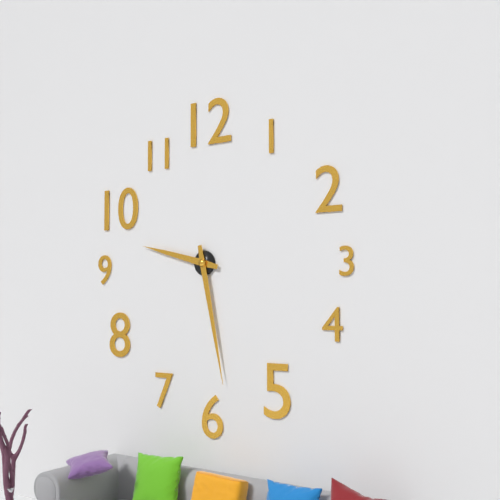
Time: **9:28**
